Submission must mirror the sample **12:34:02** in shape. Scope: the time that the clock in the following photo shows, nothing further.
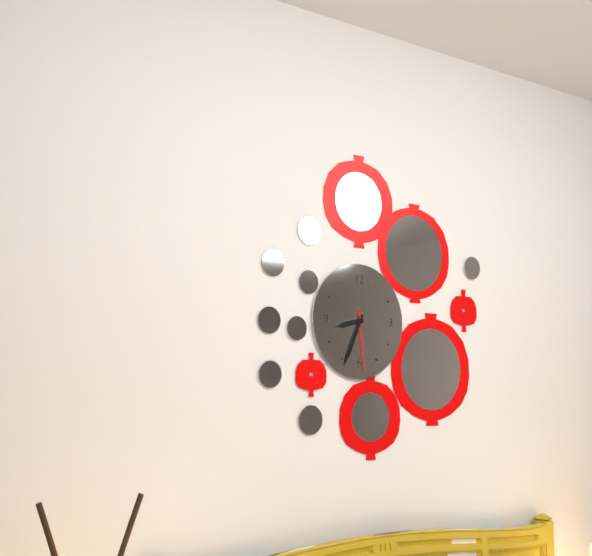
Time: **8:34:29**
